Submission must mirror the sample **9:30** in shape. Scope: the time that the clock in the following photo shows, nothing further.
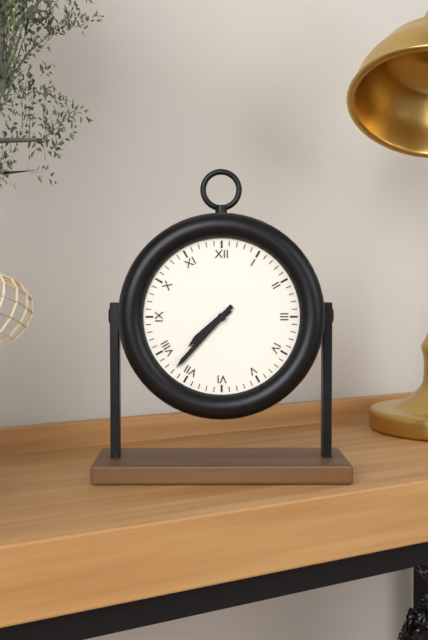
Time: **7:37**
